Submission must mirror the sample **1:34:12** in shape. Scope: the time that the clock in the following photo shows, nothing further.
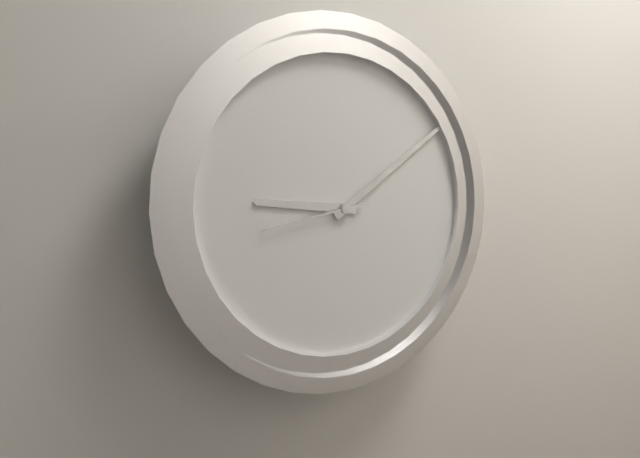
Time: **9:09:43**
